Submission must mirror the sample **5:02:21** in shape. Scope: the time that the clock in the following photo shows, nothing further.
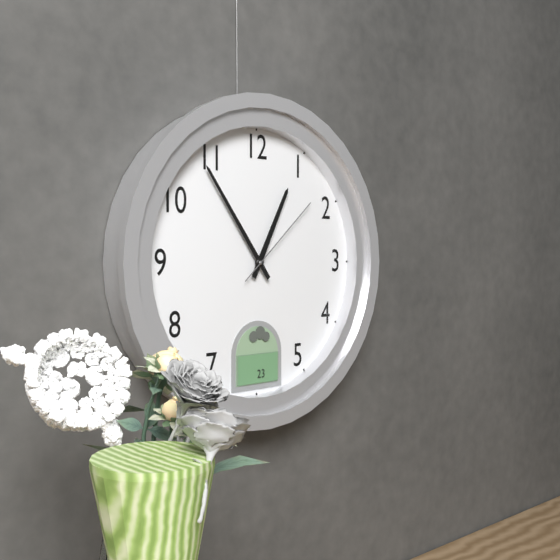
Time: **12:54:08**
